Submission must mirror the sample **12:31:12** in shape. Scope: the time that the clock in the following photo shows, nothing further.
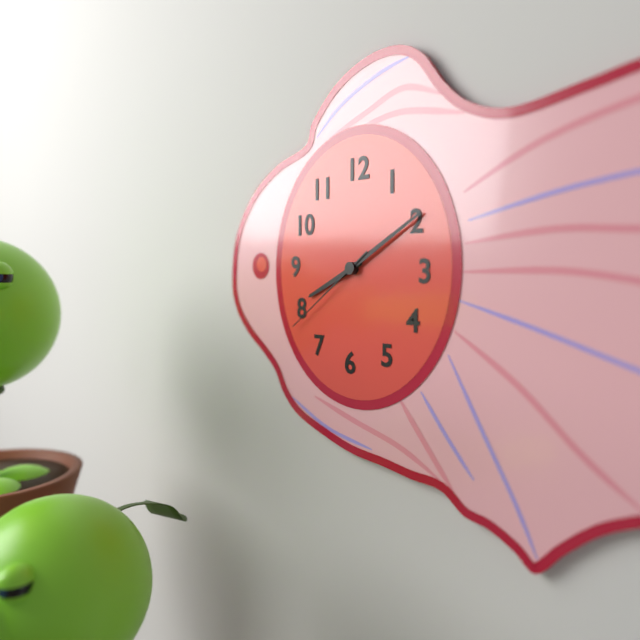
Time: **8:10:39**
